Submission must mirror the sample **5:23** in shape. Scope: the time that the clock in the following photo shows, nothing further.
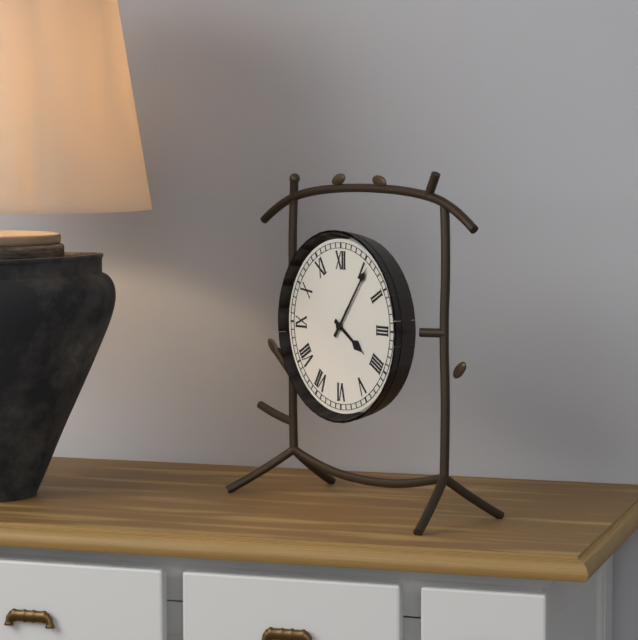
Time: **4:06**
